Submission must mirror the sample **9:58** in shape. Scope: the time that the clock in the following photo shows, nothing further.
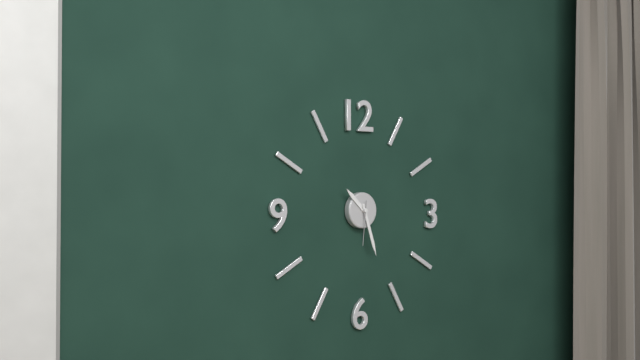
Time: **10:27**
